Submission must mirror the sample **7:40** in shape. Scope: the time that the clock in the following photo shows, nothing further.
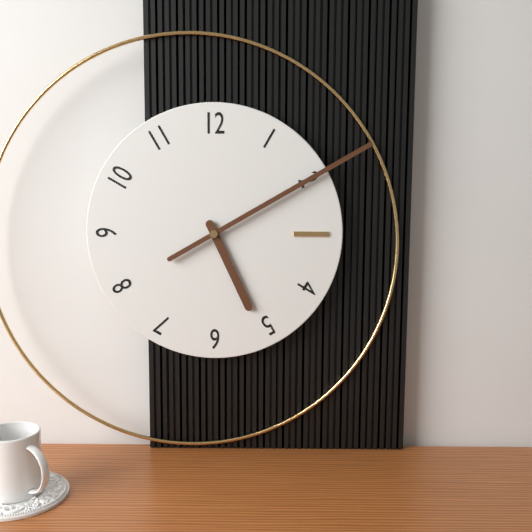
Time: **5:10**
